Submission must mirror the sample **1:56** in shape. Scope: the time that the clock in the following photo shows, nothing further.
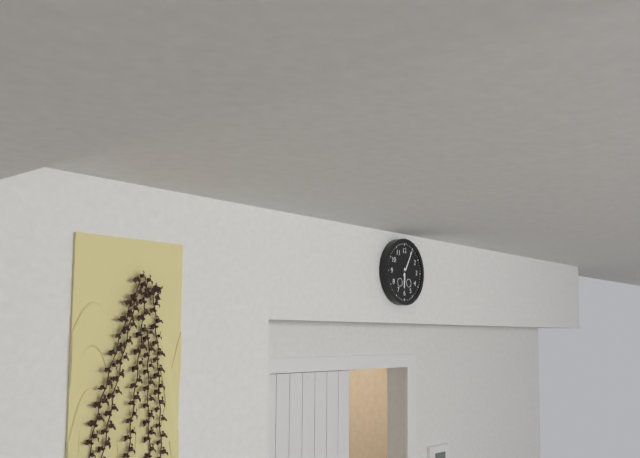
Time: **6:05**
